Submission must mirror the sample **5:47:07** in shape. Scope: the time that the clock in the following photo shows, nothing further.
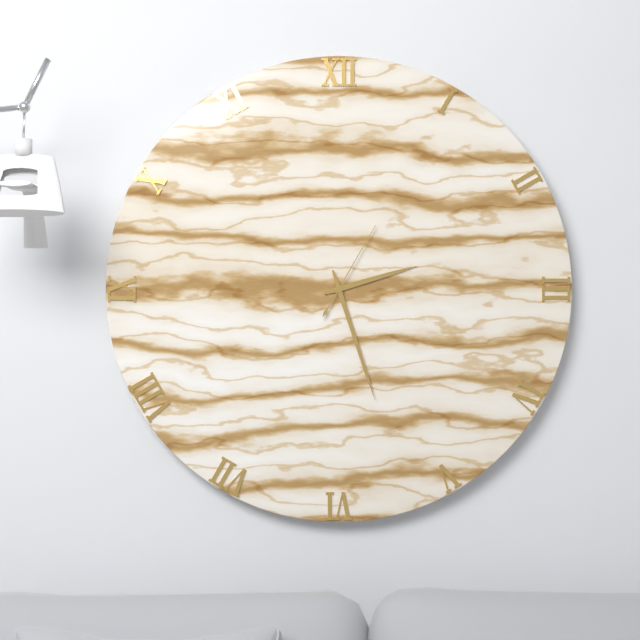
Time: **2:27:05**
